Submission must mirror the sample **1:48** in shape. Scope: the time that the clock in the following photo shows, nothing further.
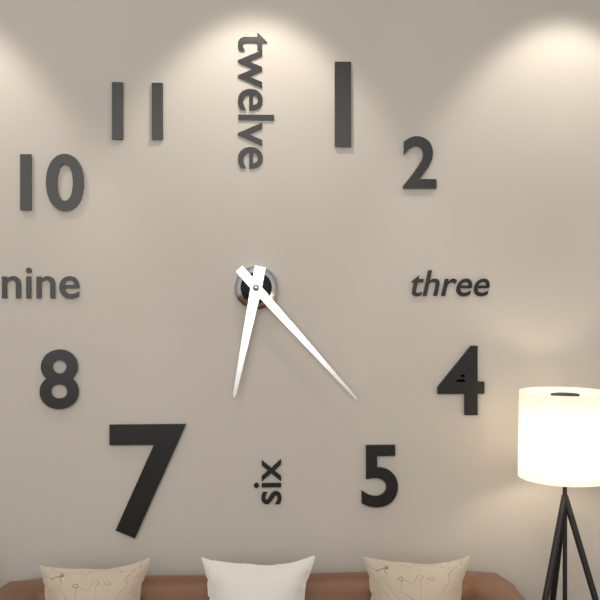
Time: **6:23**
